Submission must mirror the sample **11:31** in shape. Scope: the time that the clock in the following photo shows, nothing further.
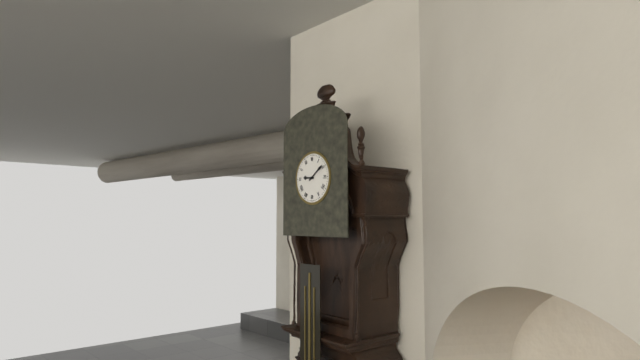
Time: **9:09**
